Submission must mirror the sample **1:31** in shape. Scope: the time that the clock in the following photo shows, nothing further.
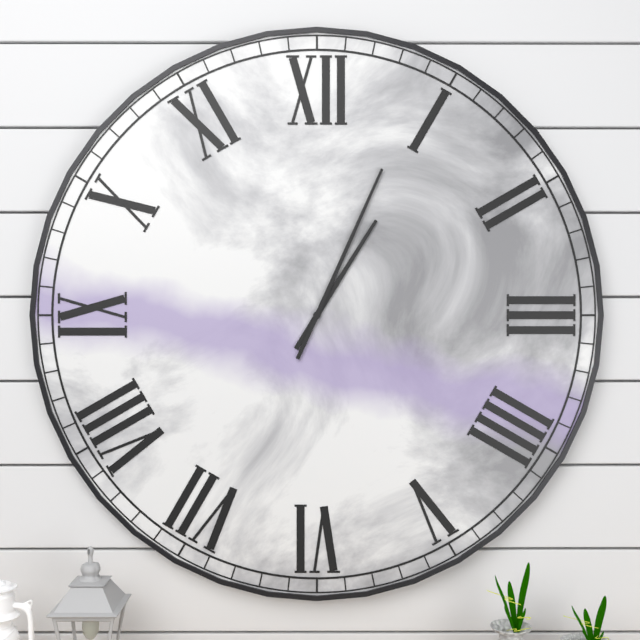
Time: **1:04**
